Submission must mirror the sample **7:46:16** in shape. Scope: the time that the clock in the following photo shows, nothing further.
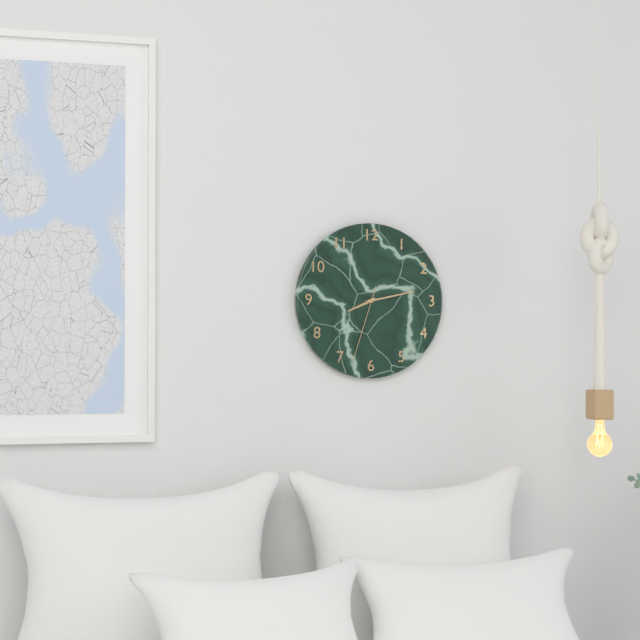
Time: **8:13:33**
